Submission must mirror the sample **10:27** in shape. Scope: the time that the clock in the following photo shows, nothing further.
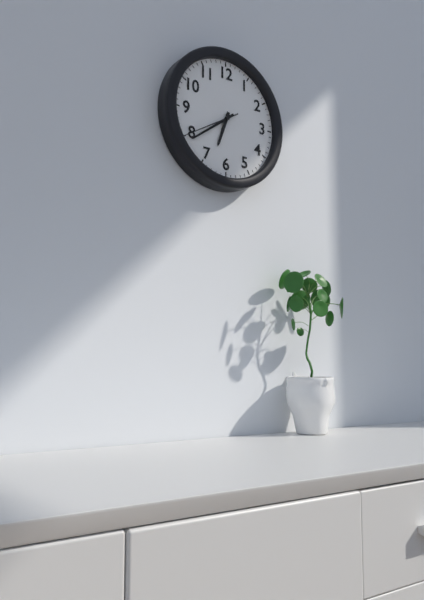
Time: **6:39**
